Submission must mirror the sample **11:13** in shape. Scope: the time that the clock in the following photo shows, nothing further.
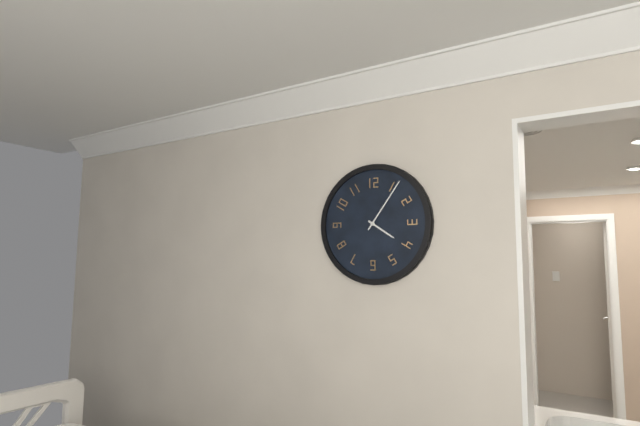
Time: **4:06**
